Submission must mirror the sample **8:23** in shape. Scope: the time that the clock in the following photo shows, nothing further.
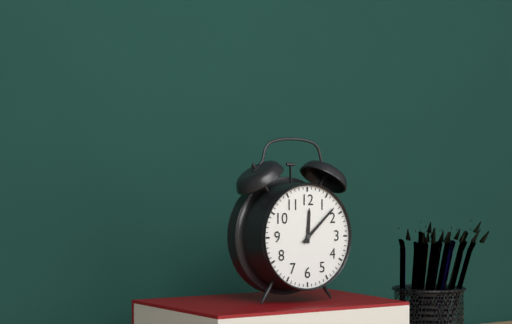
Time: **12:08**
